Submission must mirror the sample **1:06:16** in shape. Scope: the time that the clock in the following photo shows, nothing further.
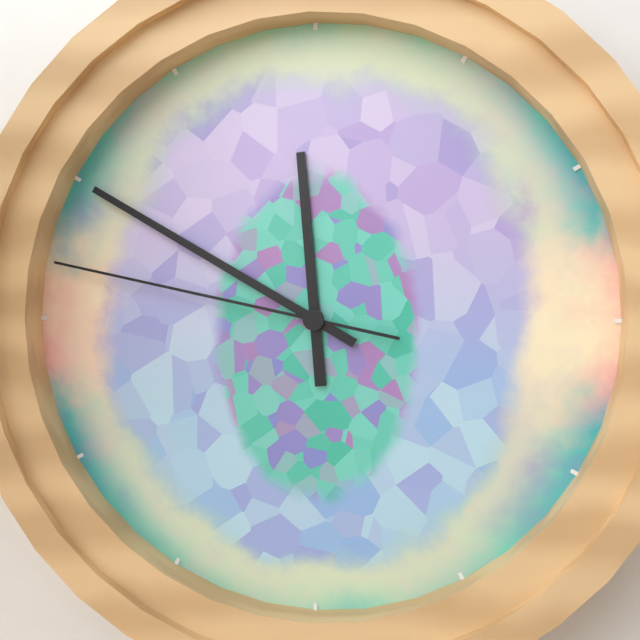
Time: **11:50:47**
